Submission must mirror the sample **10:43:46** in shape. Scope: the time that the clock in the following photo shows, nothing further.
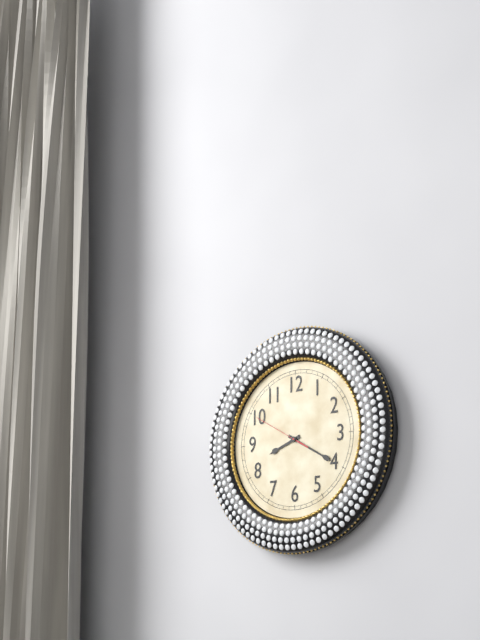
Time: **8:20:50**
